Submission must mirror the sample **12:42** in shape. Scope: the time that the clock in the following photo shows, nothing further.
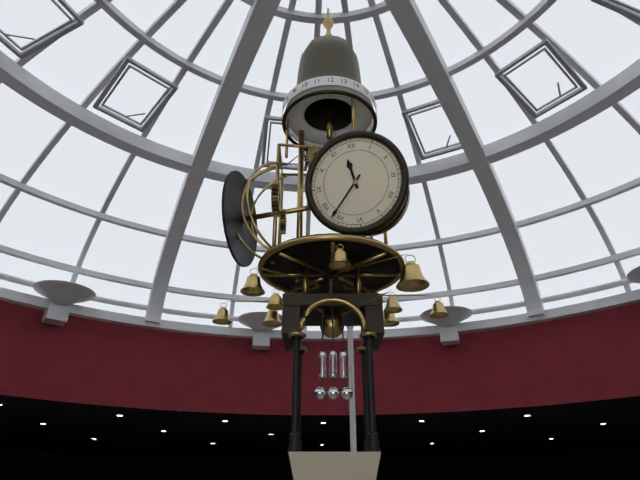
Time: **11:37**
